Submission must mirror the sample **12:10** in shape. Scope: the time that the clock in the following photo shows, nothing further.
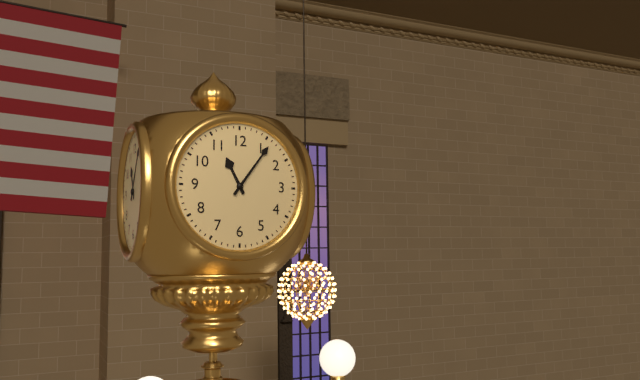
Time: **11:06**
